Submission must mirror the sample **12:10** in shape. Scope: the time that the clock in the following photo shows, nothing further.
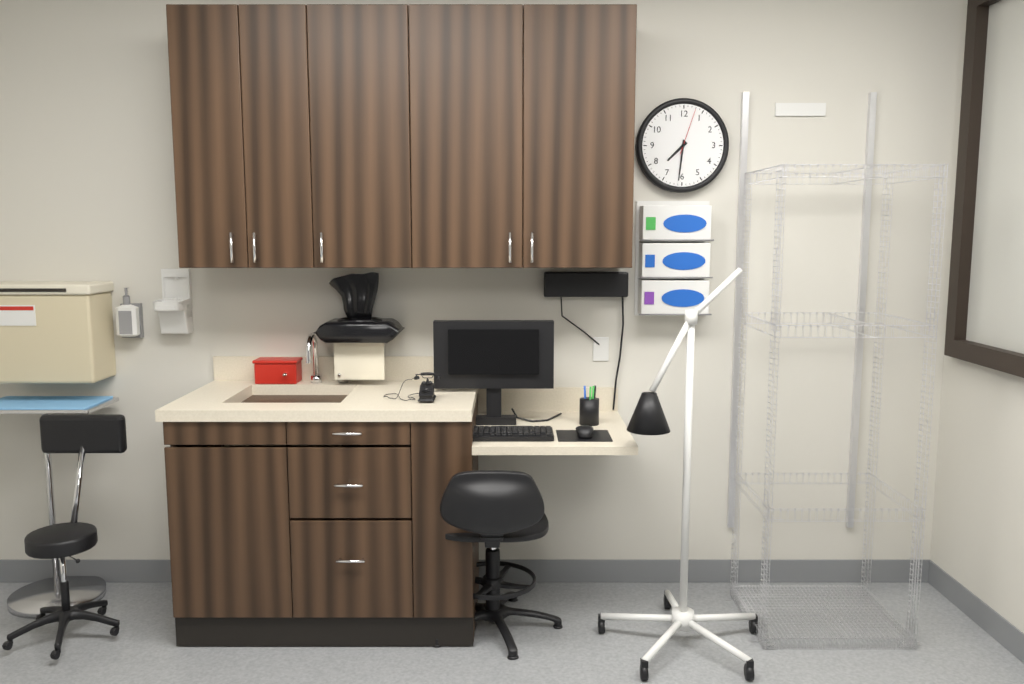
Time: **7:31**
